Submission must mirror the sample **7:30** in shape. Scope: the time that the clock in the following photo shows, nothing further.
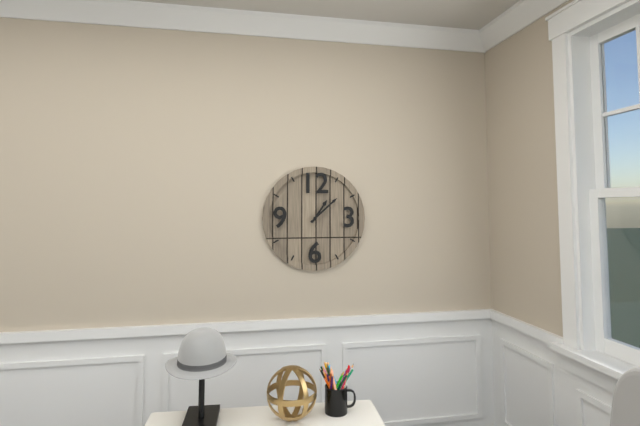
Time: **1:08**
